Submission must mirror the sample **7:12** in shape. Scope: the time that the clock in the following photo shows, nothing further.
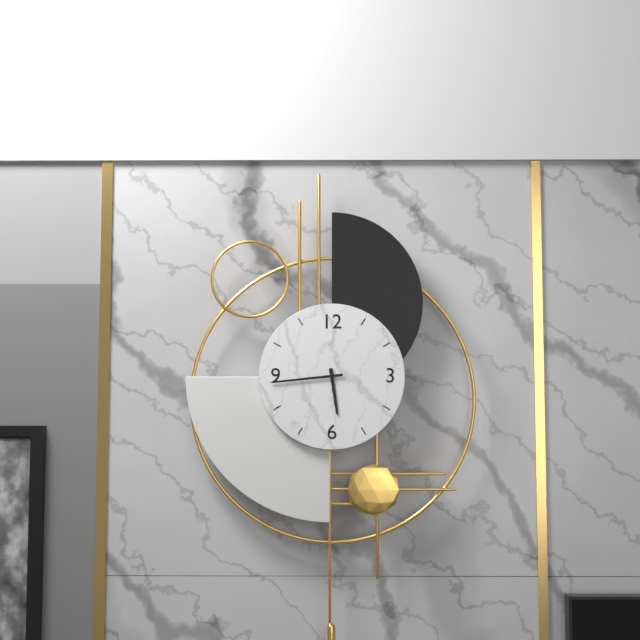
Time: **5:44**
